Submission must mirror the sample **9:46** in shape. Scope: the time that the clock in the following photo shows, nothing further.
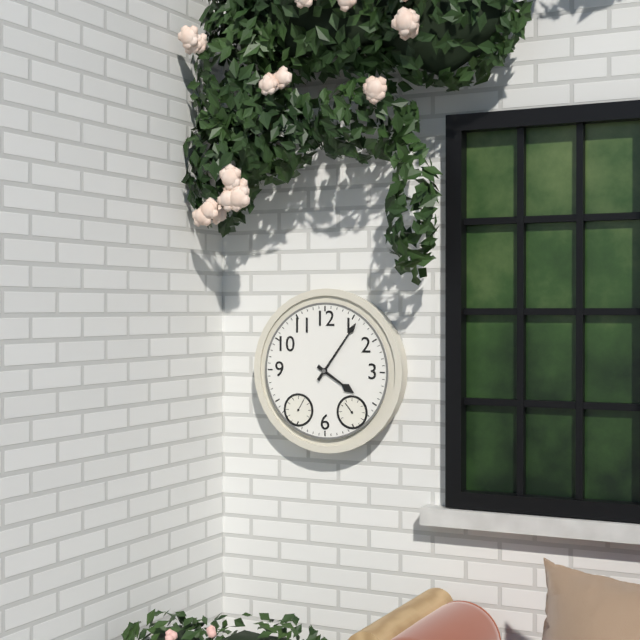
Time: **4:06**
